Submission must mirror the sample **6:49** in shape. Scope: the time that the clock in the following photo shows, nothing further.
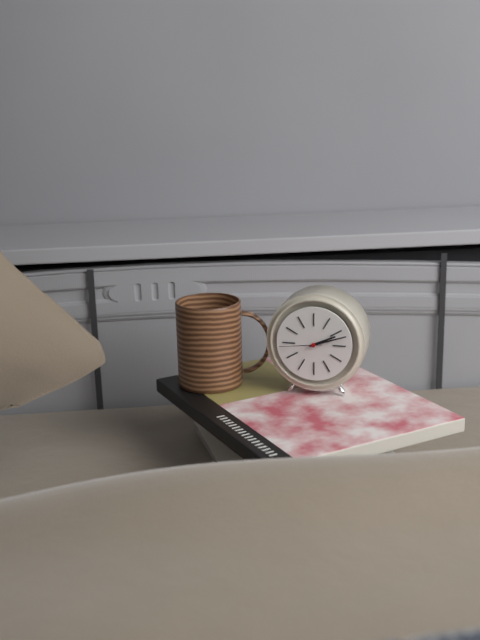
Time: **2:12**
